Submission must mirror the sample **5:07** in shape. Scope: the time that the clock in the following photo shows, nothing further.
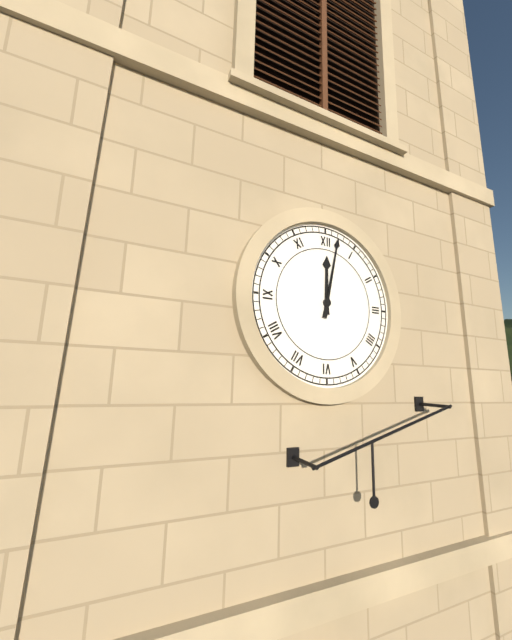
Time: **12:02**
